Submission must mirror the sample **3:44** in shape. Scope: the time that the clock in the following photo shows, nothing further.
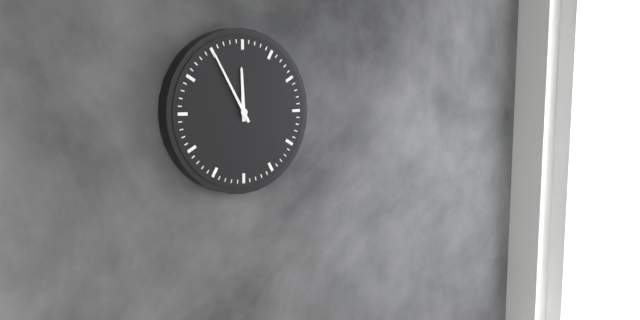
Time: **11:55**
